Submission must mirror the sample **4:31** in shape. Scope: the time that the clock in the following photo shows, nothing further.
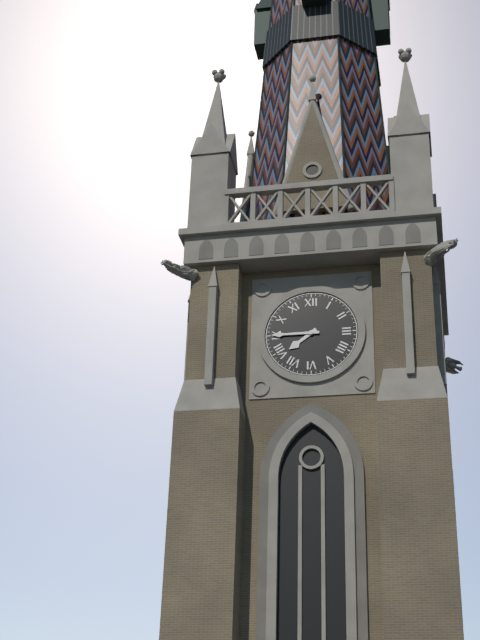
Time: **7:45**
